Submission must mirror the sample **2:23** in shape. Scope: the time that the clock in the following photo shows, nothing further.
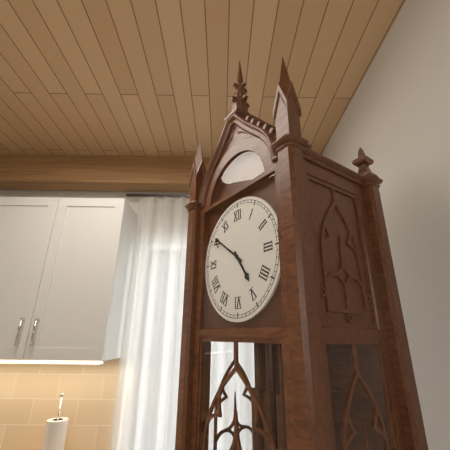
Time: **4:51**
